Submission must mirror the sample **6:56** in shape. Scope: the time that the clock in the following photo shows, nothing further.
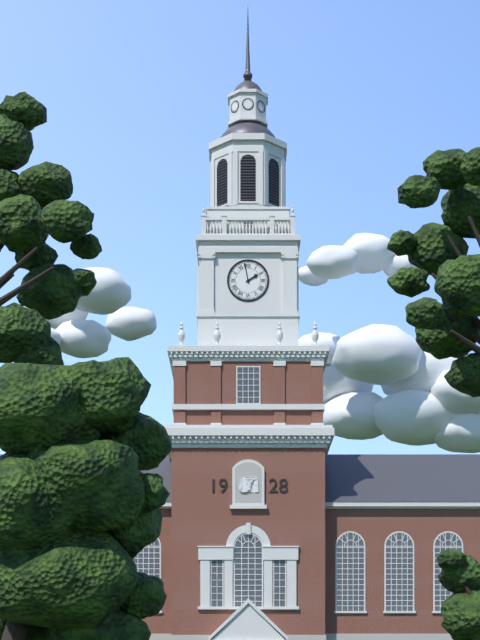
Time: **1:58**
